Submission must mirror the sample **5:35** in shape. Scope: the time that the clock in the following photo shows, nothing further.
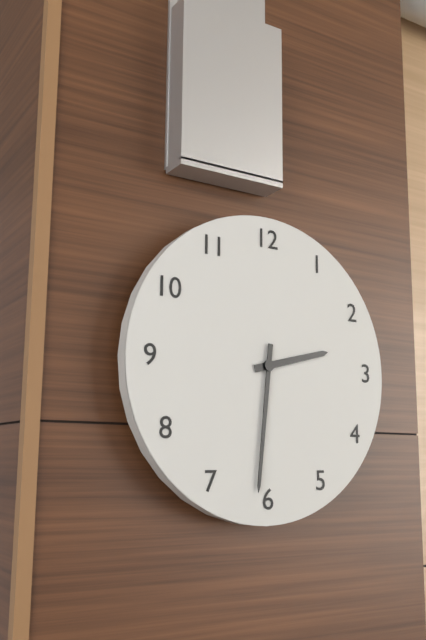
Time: **2:31**
